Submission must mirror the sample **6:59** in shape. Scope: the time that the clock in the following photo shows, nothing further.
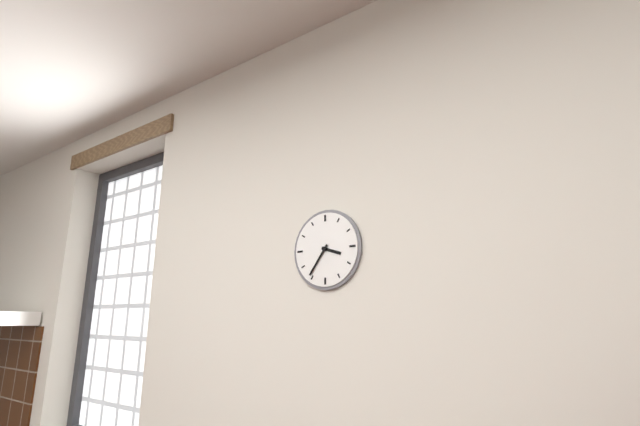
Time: **3:36**
